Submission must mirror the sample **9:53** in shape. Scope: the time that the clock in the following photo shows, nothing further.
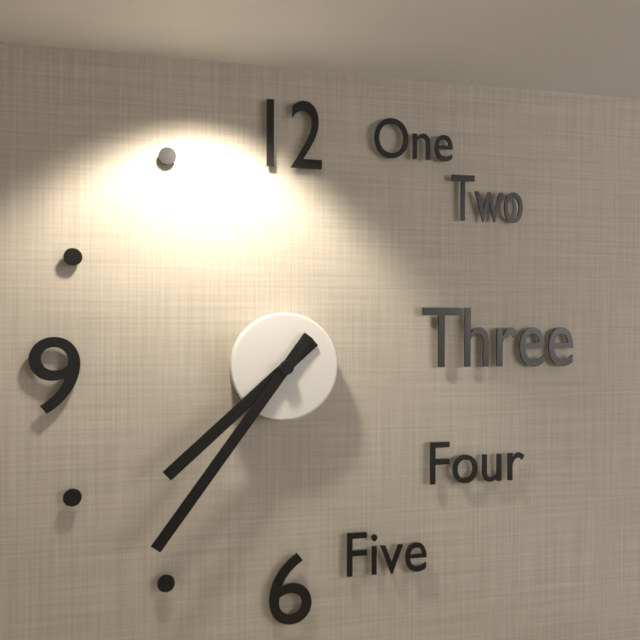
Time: **7:36**
